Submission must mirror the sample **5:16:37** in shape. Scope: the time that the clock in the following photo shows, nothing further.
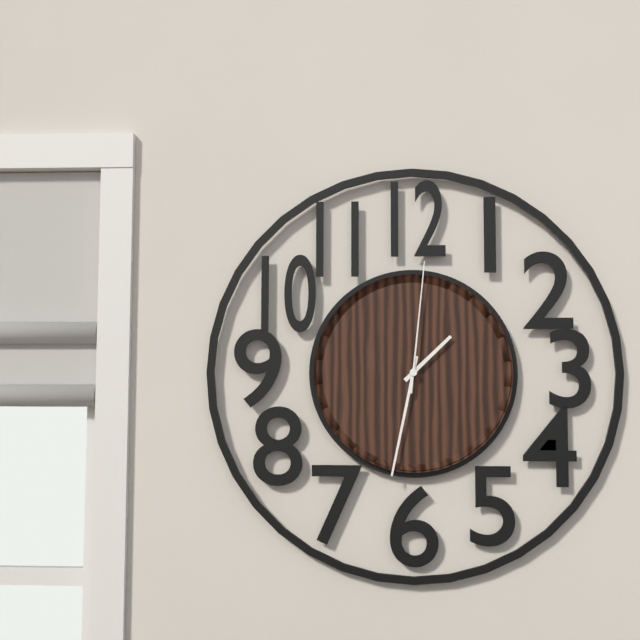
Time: **1:32:01**
